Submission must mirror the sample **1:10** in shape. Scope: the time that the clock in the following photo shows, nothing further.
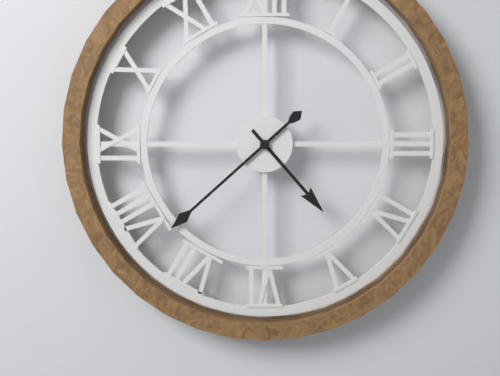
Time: **4:38**
